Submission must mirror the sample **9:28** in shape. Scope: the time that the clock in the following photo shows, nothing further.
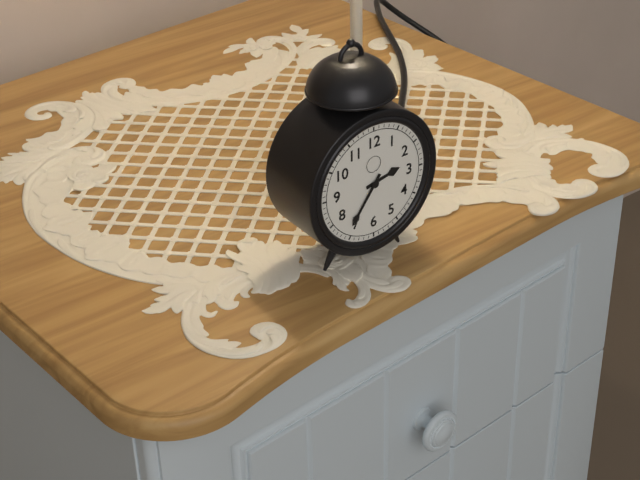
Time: **2:36**
